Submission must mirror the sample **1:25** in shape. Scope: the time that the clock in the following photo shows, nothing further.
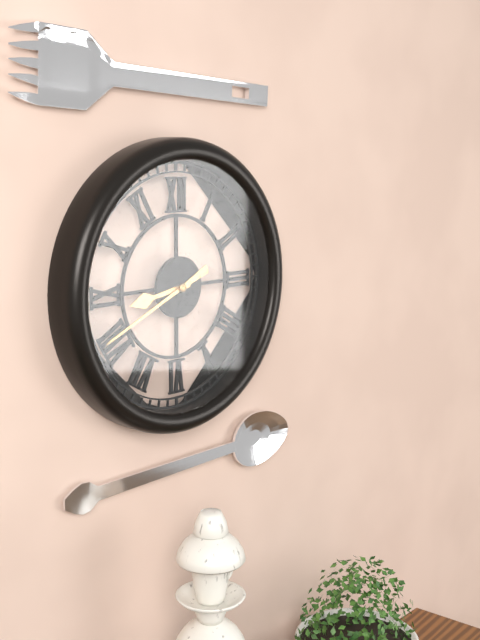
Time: **8:41**
